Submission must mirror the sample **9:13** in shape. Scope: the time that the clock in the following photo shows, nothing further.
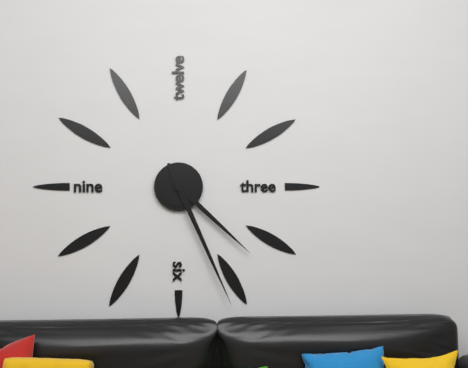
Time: **4:26**
